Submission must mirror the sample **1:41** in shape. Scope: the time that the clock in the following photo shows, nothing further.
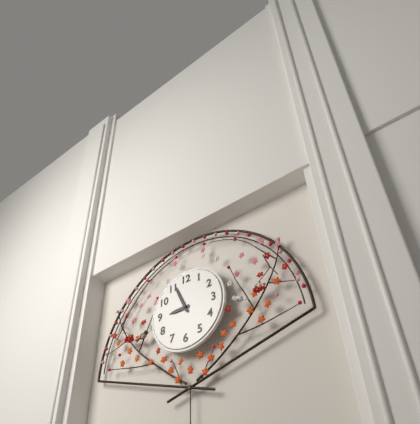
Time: **8:56**
